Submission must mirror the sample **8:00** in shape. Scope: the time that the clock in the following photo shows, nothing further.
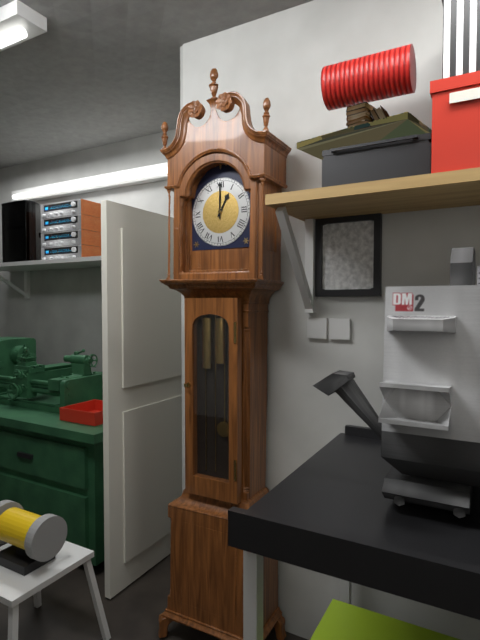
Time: **1:00**
